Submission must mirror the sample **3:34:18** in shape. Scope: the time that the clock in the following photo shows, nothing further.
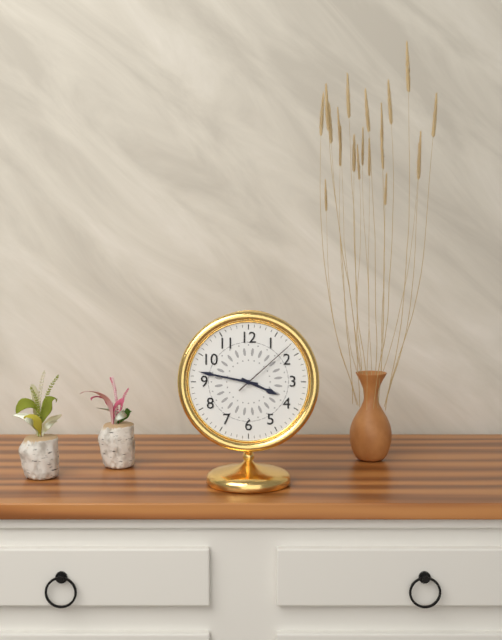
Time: **3:47:08**
